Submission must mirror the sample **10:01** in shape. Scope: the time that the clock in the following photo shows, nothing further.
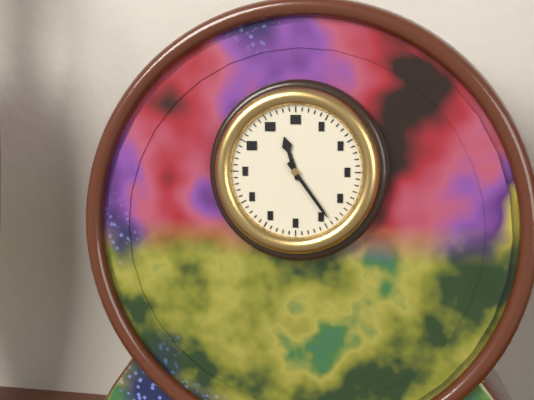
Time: **11:24**
